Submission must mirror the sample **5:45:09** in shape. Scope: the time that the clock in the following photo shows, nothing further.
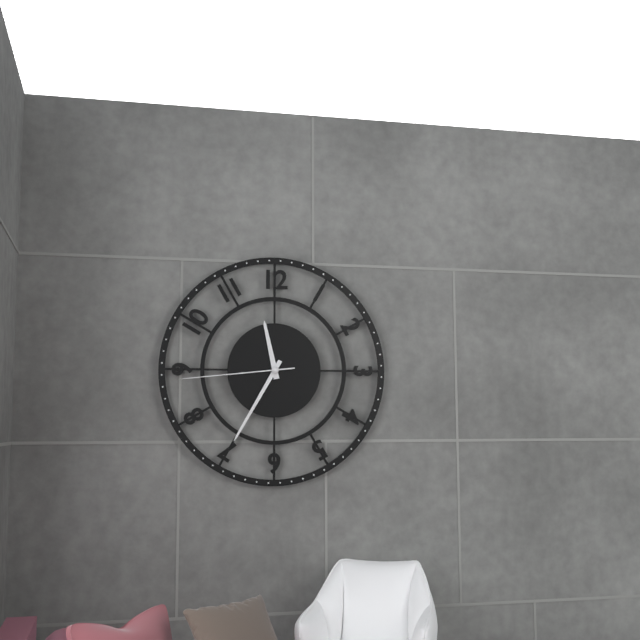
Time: **11:35:44**
